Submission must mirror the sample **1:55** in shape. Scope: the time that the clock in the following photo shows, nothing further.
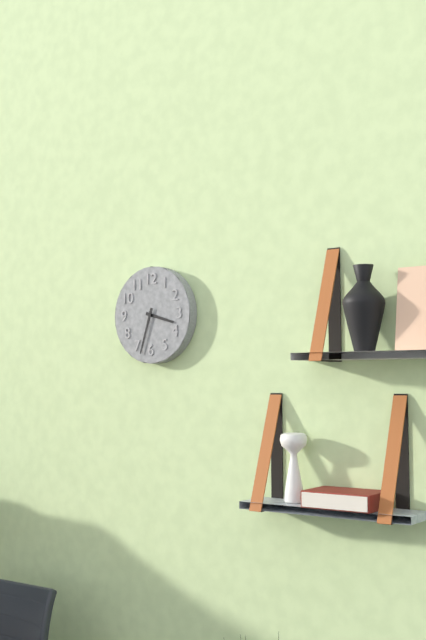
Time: **3:33**
